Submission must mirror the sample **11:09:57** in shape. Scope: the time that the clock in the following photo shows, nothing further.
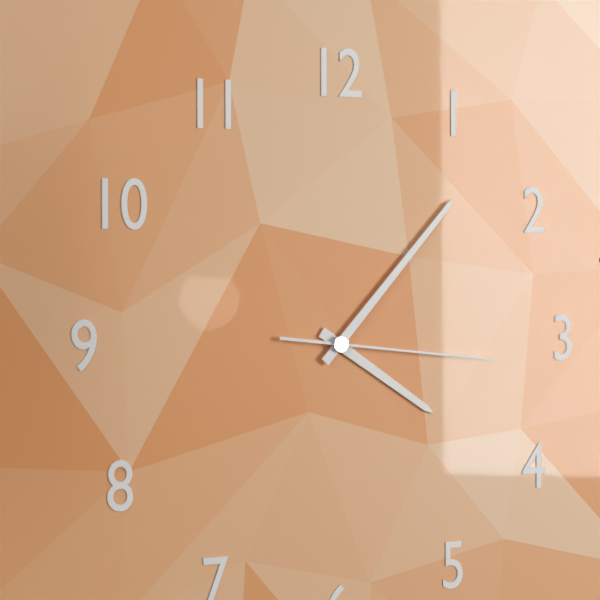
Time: **4:07:16**
